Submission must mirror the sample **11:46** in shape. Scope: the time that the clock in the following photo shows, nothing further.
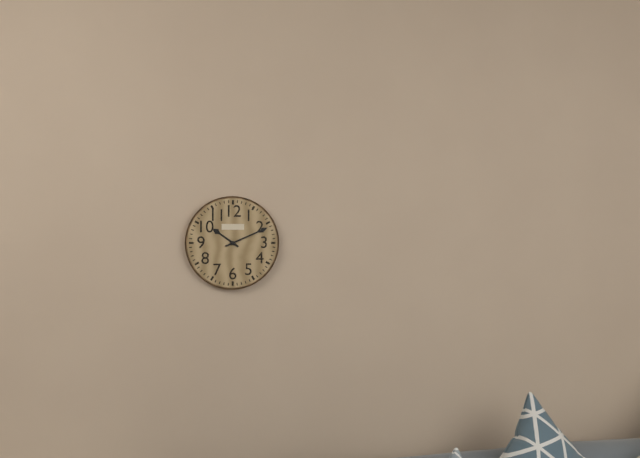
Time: **10:11**
